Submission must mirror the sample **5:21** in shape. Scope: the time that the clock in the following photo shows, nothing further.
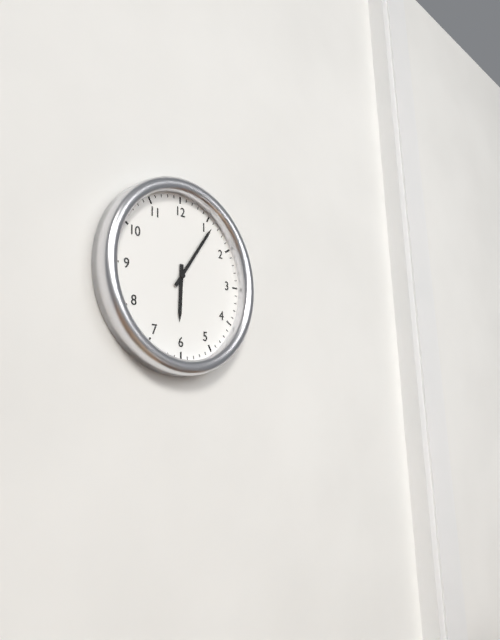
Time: **6:06**
